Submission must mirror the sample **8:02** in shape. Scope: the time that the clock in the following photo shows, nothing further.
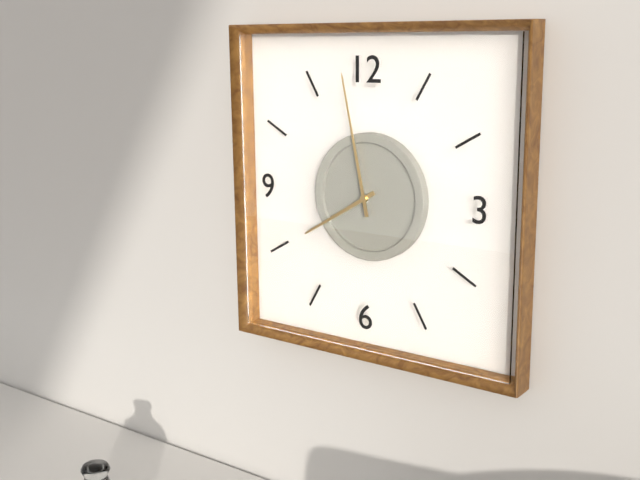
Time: **7:58**
